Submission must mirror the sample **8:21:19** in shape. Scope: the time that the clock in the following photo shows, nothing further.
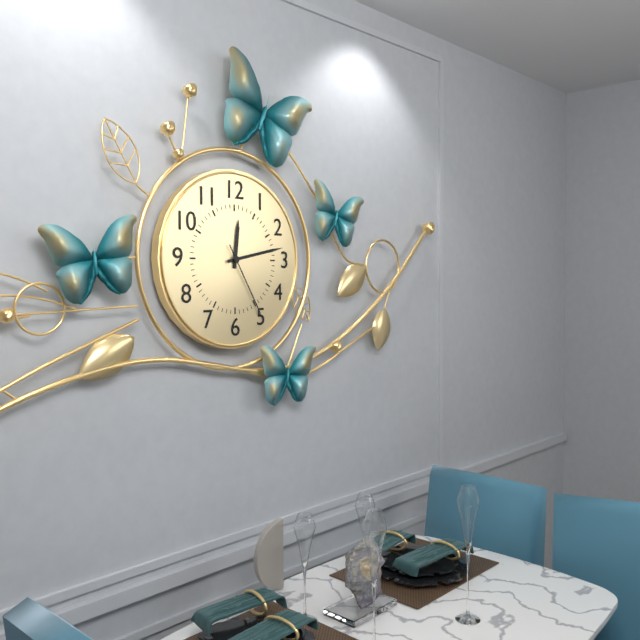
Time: **12:13:25**
